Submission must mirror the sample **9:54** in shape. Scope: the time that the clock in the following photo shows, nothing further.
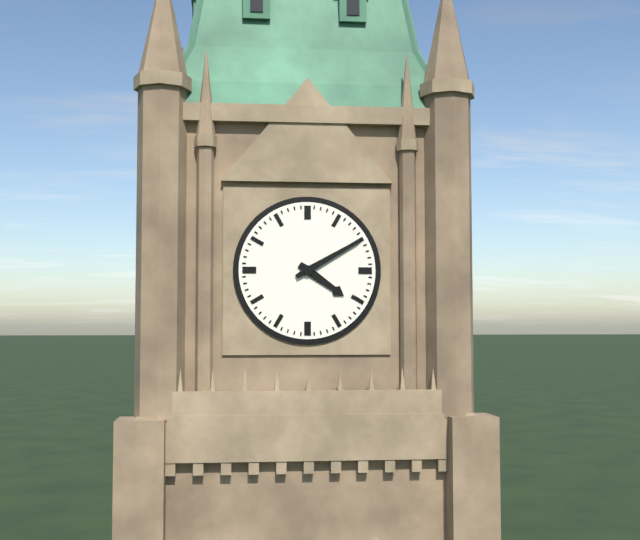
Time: **4:10**
